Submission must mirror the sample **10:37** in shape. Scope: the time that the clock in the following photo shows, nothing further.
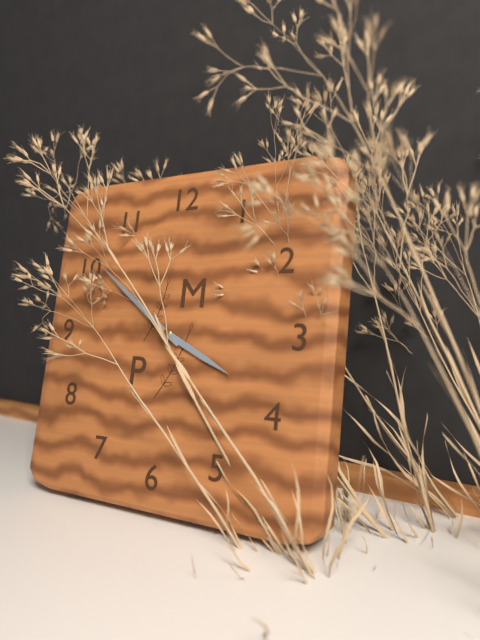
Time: **3:51**
